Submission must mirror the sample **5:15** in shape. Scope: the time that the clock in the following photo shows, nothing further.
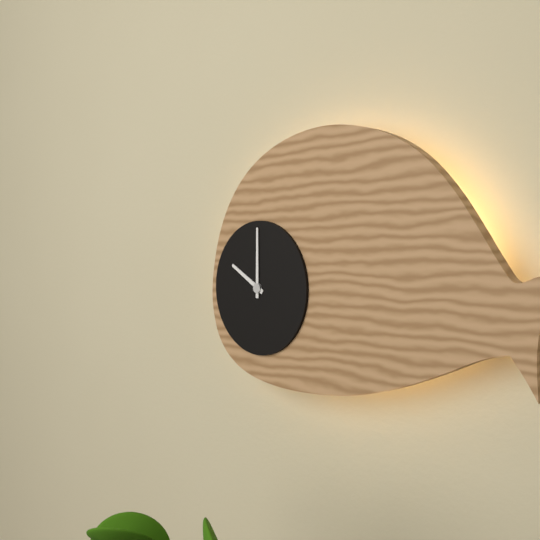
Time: **10:00**
